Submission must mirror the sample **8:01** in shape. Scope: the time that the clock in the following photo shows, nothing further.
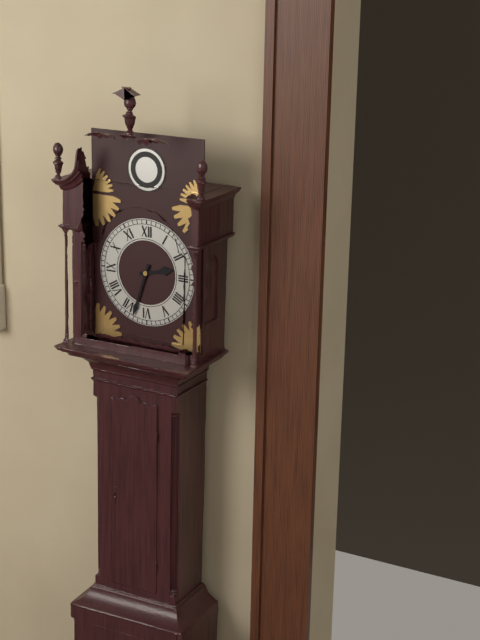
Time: **2:33**
